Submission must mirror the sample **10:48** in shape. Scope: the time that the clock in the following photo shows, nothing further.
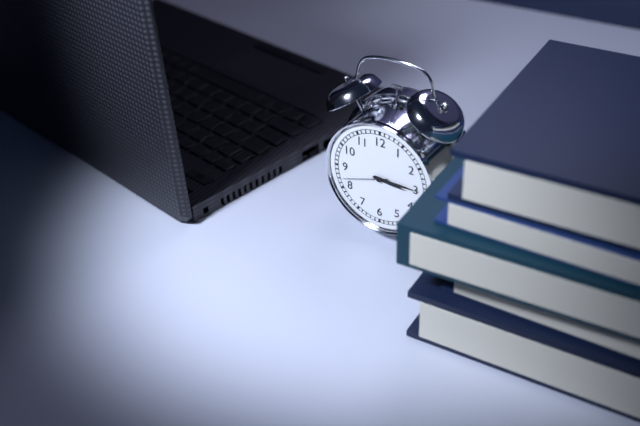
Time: **3:15**
